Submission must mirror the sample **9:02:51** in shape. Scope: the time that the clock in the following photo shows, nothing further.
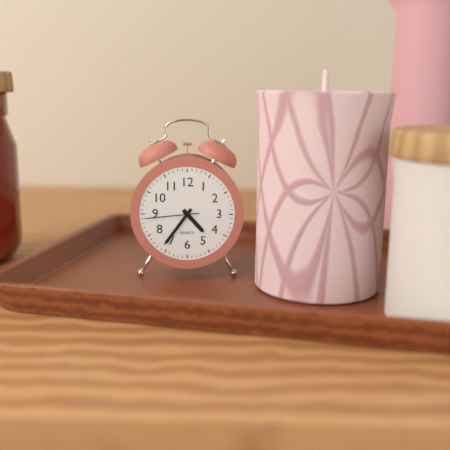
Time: **4:36:44**
